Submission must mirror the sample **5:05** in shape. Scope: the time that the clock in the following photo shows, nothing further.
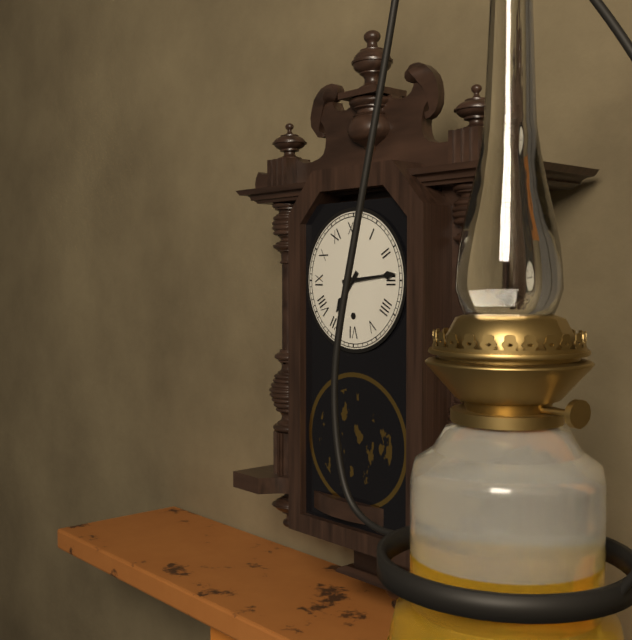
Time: **7:14**
